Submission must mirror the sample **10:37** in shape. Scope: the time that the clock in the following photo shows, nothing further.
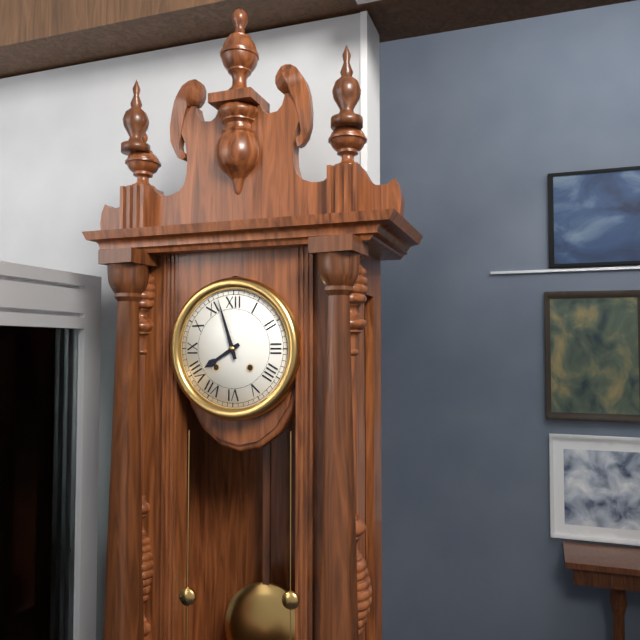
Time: **7:57**
